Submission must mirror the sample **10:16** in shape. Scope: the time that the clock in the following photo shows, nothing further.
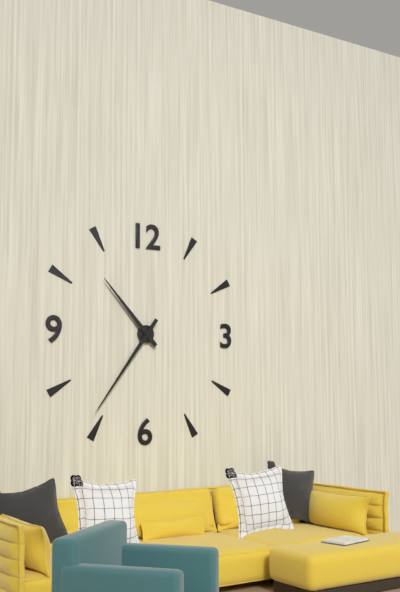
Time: **10:36**
